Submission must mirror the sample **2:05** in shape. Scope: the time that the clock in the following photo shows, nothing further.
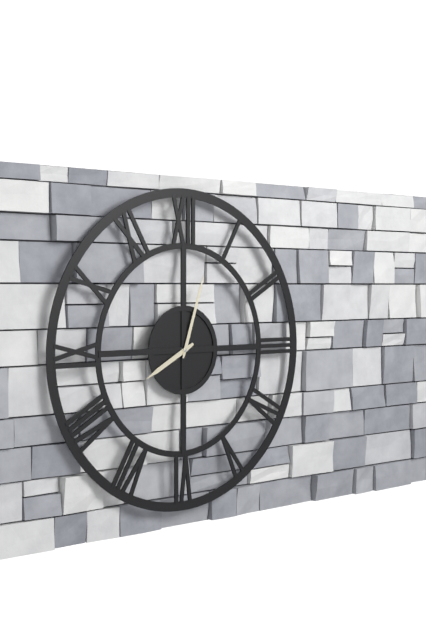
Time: **8:03**
